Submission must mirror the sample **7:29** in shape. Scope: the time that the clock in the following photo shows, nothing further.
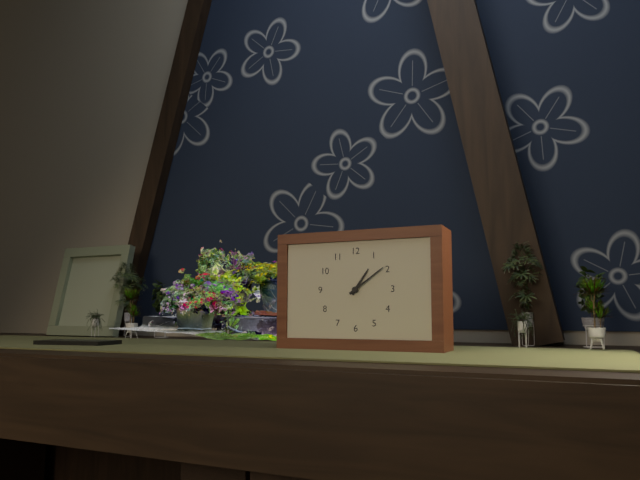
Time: **1:09**
